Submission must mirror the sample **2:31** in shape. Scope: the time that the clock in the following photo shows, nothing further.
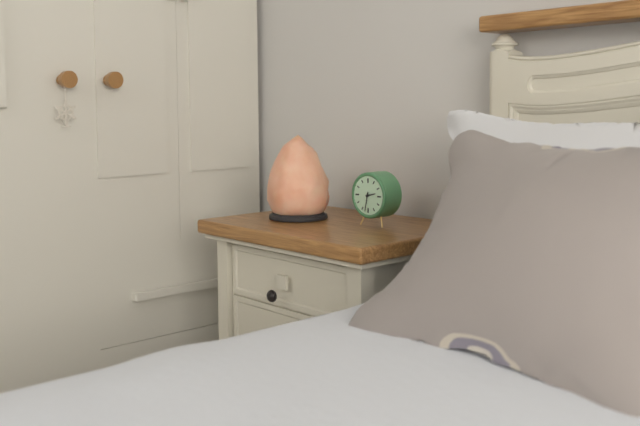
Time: **2:32**
